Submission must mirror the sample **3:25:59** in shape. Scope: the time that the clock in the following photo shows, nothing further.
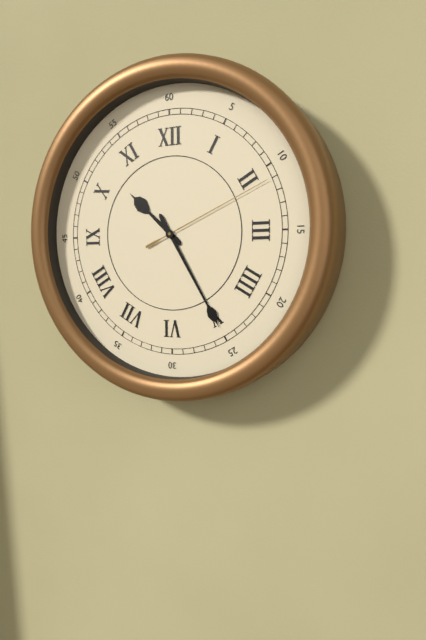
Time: **10:25:11**
